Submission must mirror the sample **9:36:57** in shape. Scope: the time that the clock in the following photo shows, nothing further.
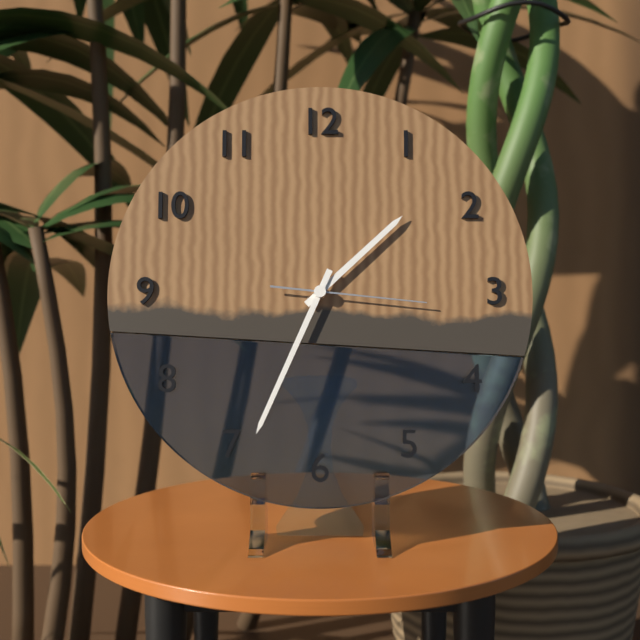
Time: **1:34:16**
